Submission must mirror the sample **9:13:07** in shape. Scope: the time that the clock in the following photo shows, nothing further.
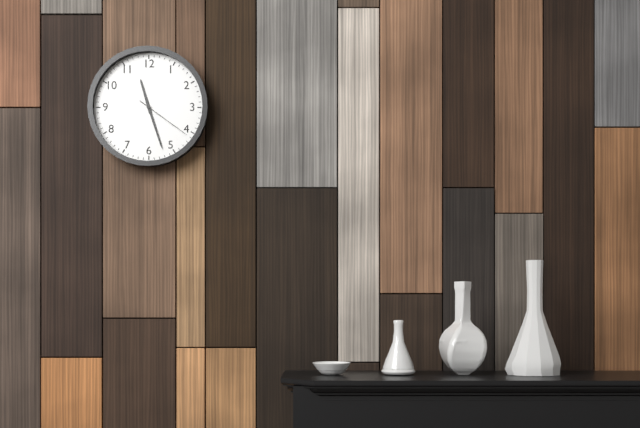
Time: **11:27:21**
